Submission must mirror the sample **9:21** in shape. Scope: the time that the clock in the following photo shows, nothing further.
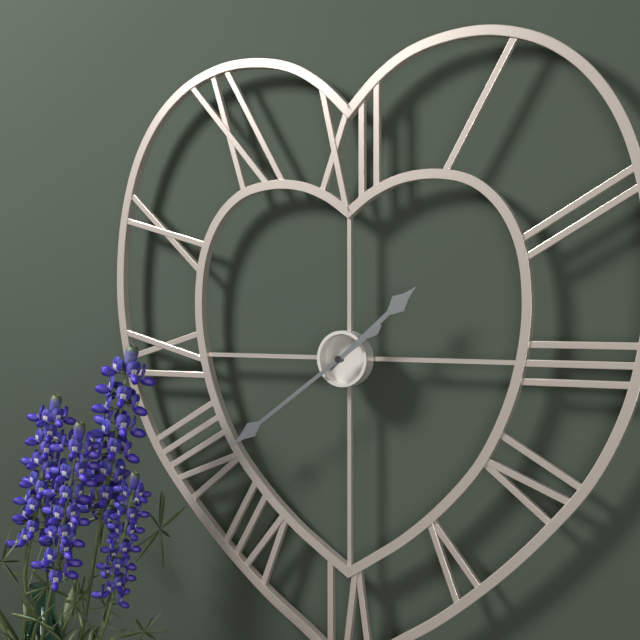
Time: **1:39**
